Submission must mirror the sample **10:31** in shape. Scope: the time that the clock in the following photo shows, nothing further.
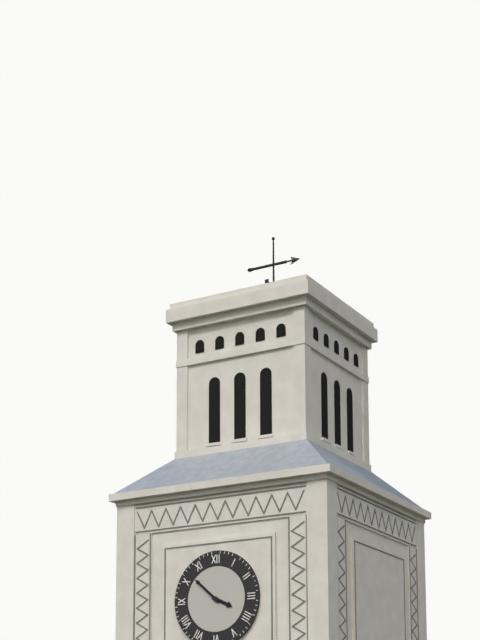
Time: **3:52**
